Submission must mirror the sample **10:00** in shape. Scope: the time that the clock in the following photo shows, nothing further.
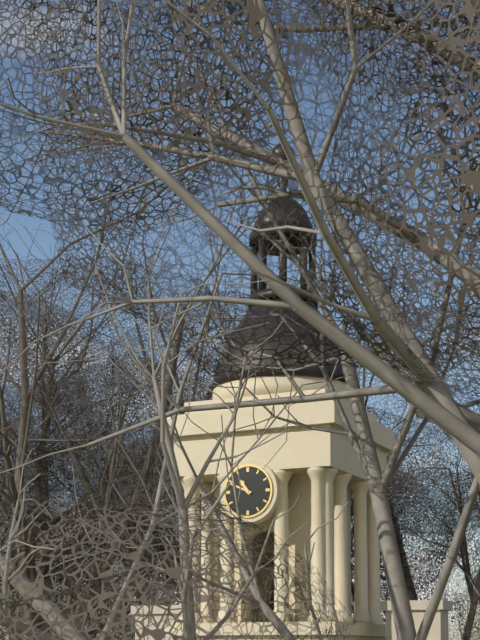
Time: **10:49**
